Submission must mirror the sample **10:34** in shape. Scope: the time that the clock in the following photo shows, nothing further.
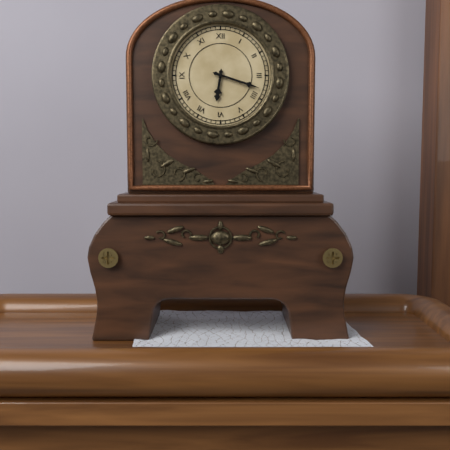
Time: **6:18**
